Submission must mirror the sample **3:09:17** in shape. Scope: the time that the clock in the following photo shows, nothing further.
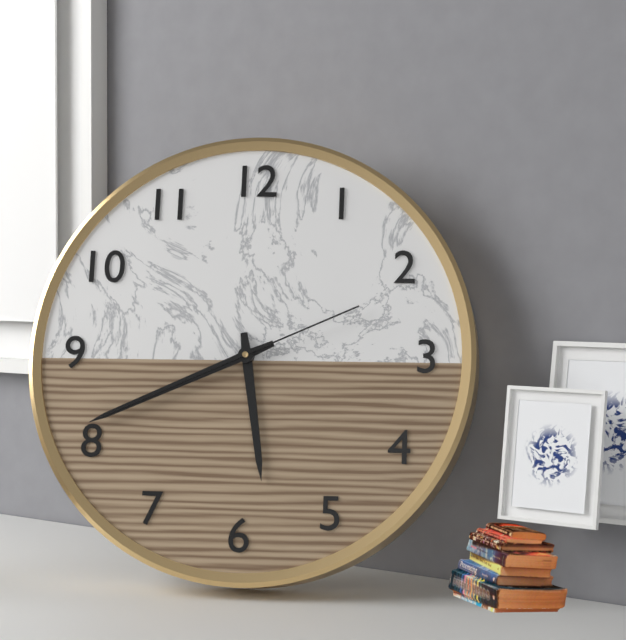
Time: **5:41:41**
